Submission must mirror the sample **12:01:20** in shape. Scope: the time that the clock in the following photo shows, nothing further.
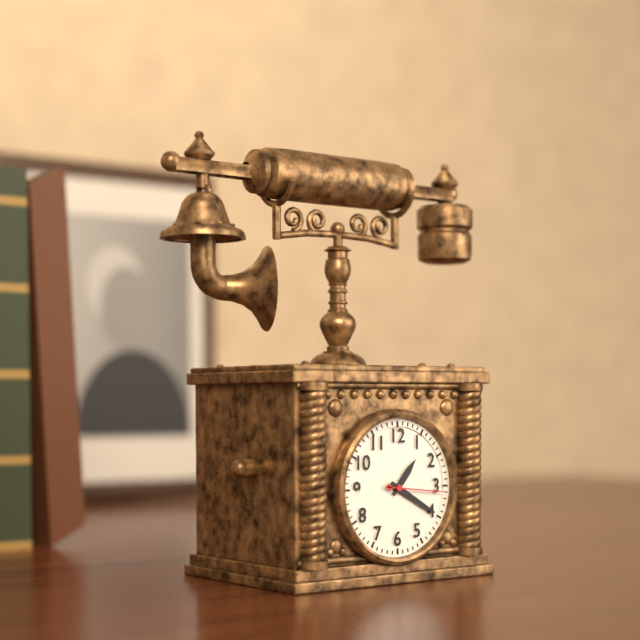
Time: **1:20:16**
